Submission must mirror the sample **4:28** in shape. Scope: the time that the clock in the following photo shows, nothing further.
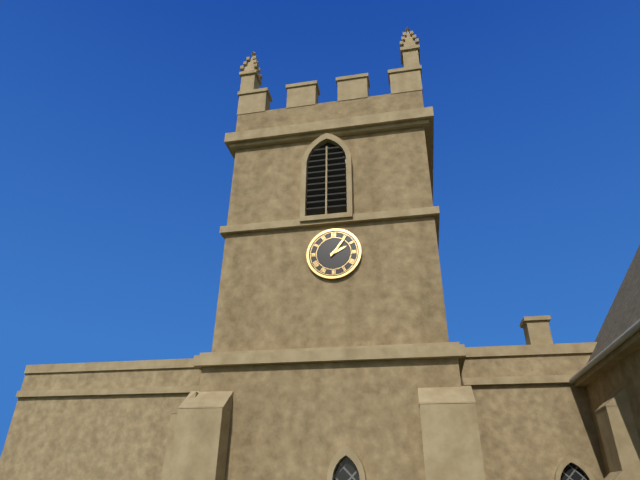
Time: **2:06**
